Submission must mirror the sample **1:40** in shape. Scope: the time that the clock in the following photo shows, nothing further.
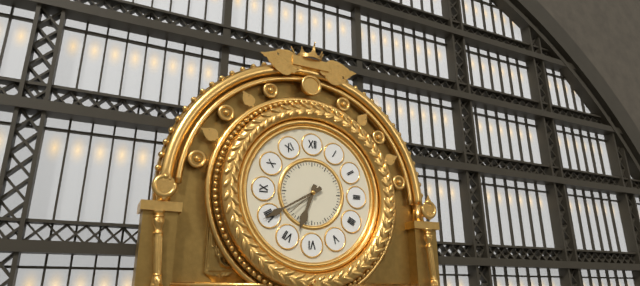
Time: **6:40**
